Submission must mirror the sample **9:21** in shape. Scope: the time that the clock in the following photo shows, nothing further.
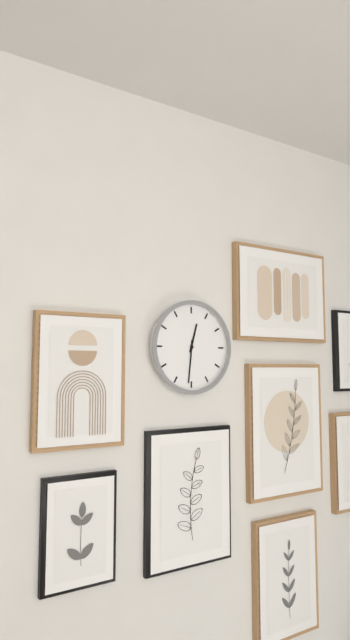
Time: **12:31**
